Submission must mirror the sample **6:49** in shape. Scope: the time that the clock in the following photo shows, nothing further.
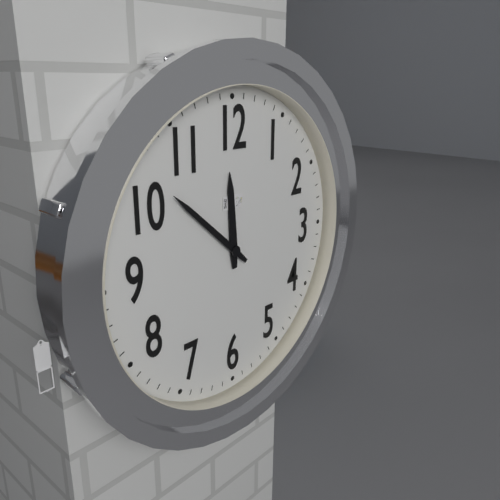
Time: **11:52**
